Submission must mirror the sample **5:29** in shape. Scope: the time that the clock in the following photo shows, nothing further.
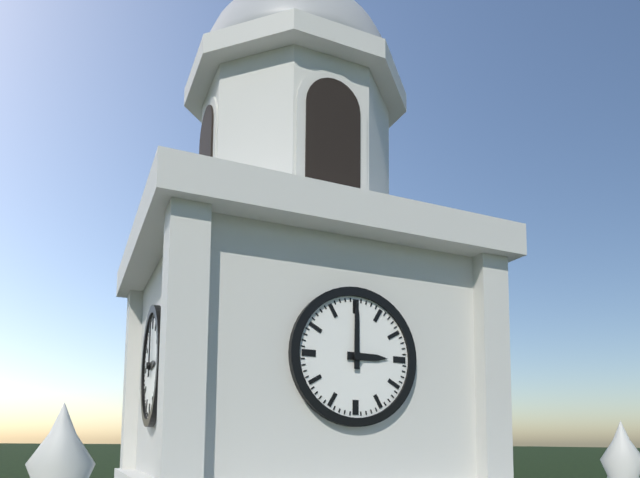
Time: **3:00**
